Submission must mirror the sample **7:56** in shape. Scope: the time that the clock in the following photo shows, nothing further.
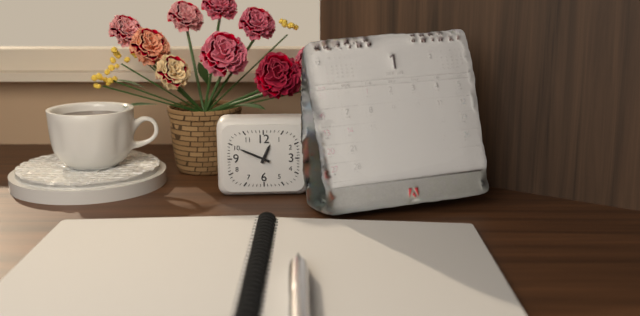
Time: **12:49**
